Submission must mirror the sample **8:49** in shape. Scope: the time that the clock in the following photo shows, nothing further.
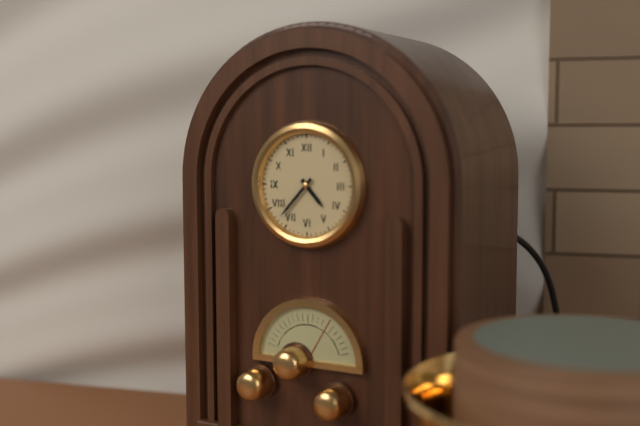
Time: **4:37**
